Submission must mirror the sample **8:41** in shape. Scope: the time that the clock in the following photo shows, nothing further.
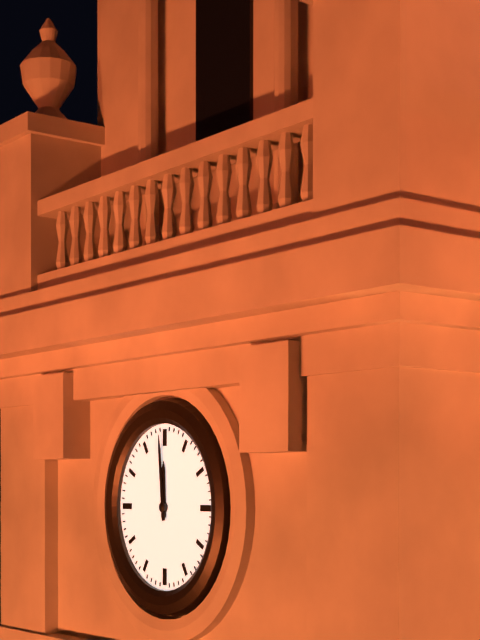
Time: **11:59**
